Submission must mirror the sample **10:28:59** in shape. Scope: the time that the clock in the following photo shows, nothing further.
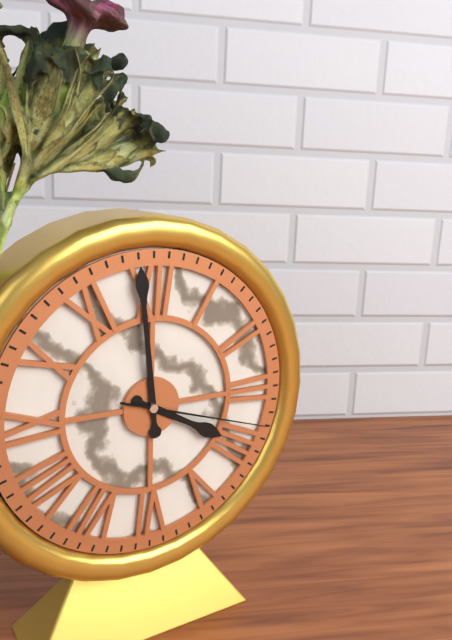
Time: **3:59:18**
